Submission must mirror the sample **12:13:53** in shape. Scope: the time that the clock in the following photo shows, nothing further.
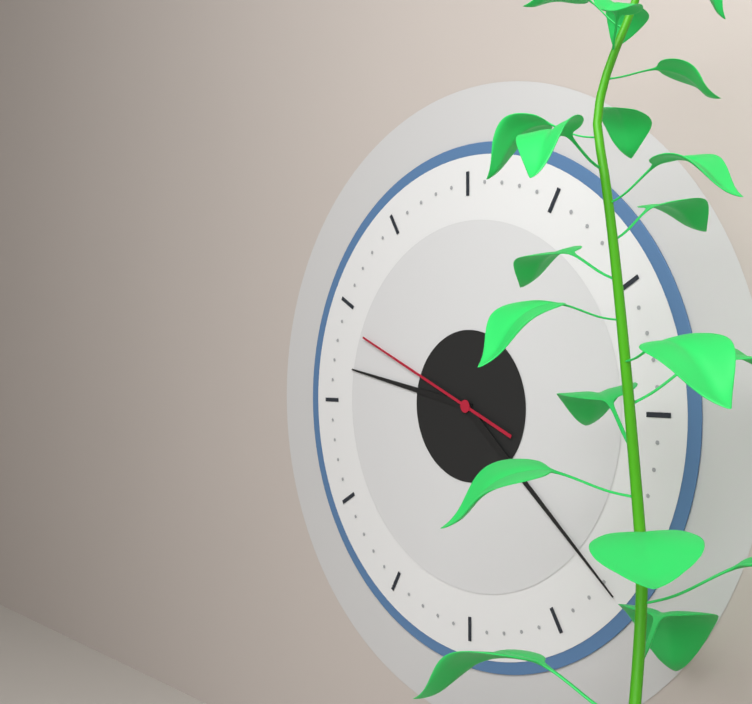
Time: **9:22:49**
